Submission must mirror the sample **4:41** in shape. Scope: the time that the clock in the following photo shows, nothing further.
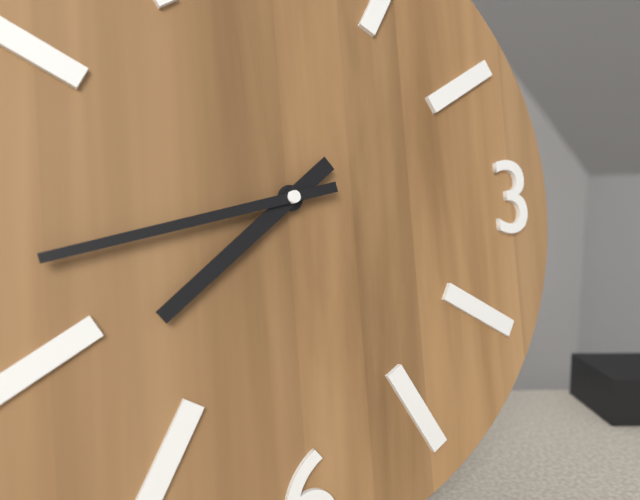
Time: **7:43**
